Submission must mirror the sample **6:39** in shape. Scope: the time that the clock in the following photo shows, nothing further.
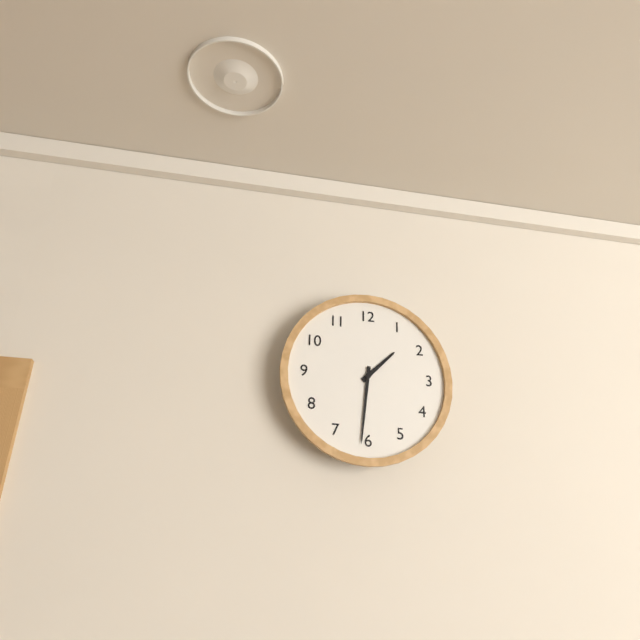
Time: **1:31**
